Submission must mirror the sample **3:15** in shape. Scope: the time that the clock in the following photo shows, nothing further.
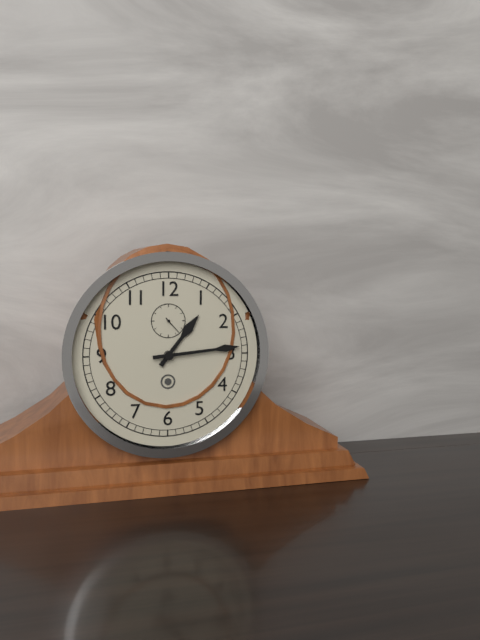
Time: **1:14**
